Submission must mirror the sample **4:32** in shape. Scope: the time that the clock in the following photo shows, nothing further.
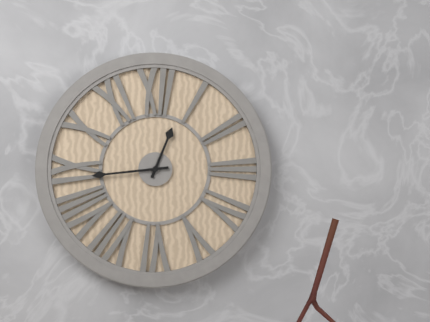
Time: **12:44**
